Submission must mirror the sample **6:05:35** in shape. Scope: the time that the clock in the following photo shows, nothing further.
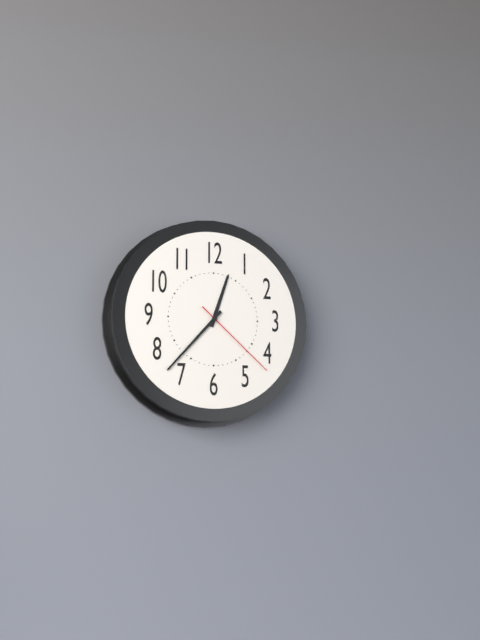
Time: **12:37:22**
